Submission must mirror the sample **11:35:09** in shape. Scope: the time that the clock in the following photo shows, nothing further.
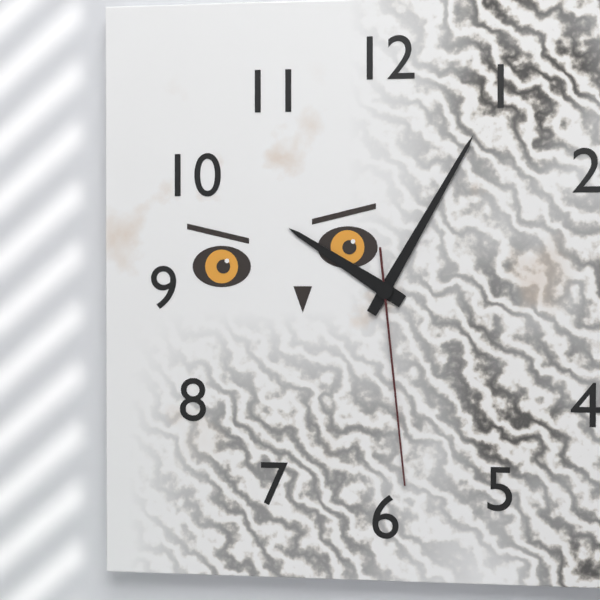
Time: **10:05:29**
